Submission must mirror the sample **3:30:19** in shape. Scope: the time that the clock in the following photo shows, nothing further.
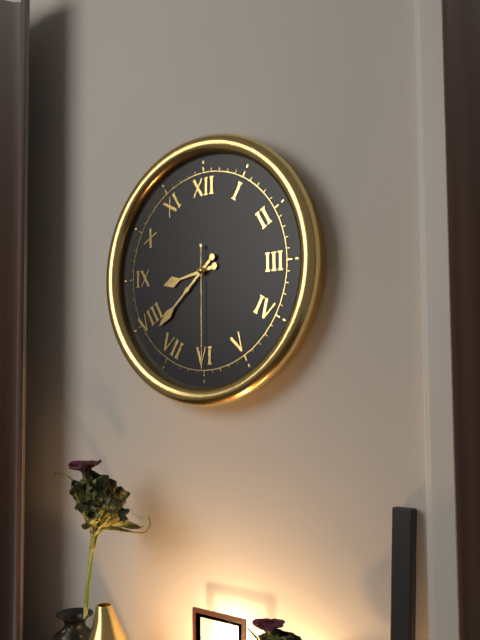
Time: **8:38:30**
